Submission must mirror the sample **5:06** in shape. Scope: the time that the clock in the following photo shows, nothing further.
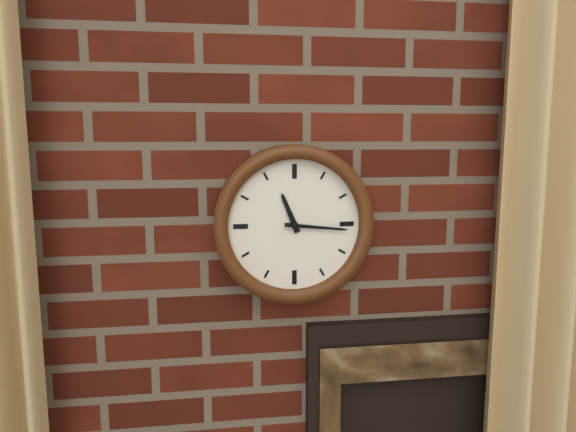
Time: **11:16**
